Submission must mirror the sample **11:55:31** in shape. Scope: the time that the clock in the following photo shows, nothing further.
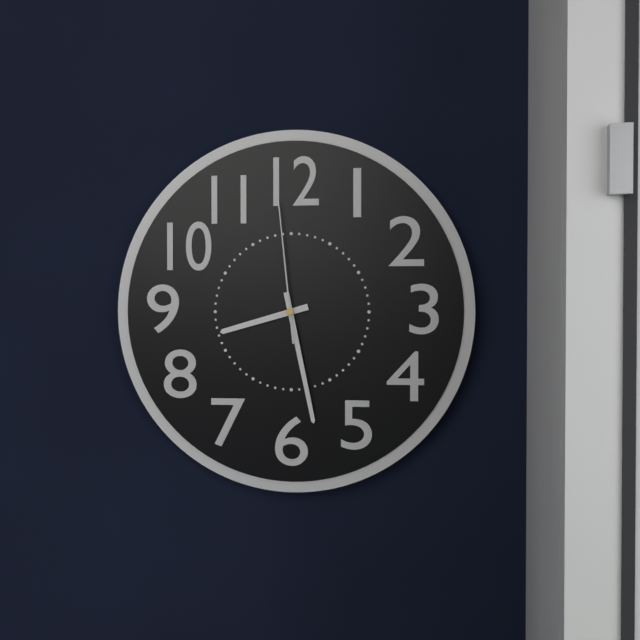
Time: **8:28:59**
